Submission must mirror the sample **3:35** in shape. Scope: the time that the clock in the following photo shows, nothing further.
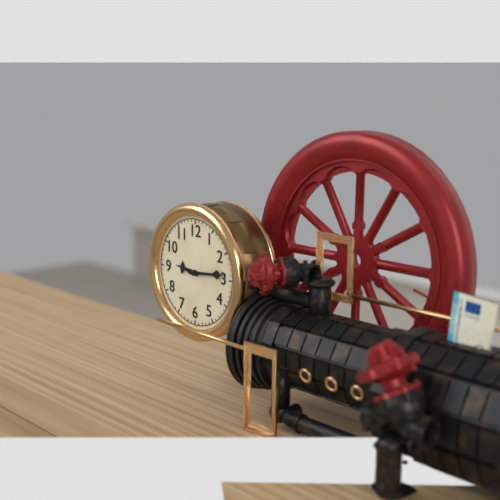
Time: **9:14**
